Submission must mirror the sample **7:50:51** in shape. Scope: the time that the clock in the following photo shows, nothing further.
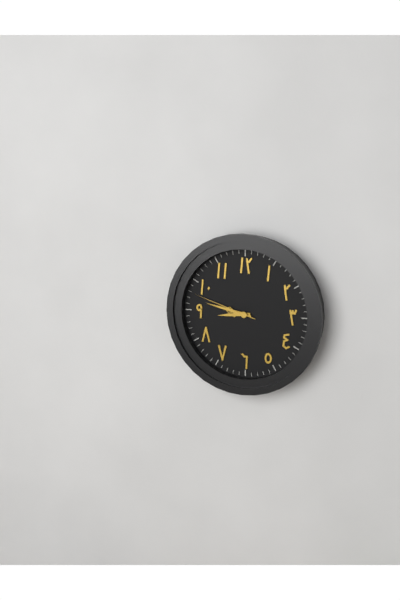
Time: **8:47:48**
